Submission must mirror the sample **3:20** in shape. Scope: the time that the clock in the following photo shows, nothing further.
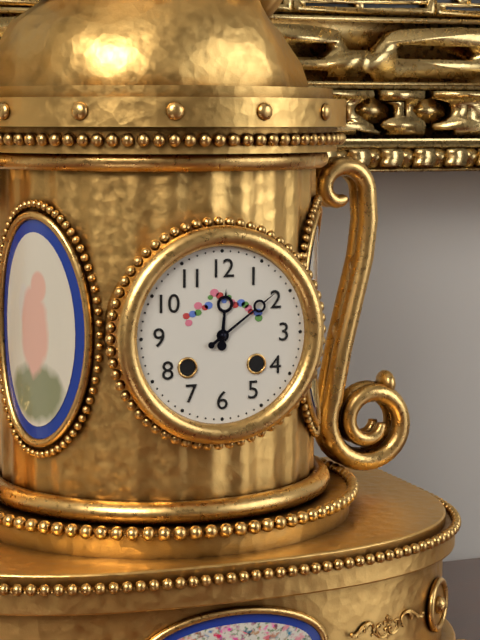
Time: **12:09**
